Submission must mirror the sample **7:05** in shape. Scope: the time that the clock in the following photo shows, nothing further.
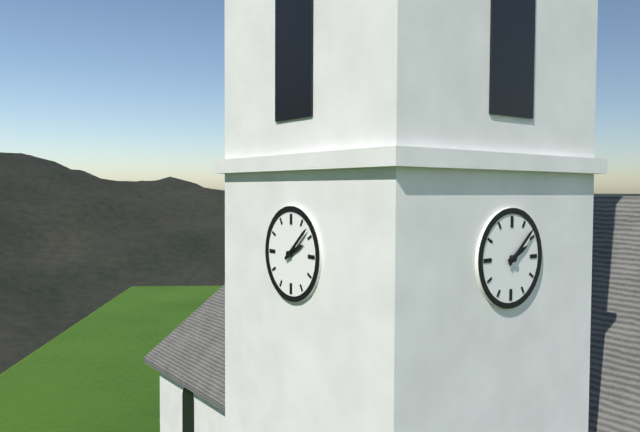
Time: **2:08**
